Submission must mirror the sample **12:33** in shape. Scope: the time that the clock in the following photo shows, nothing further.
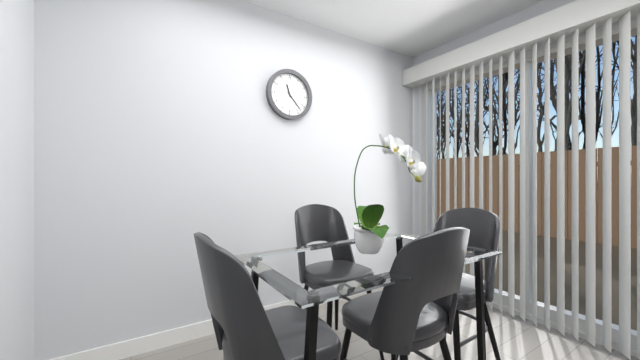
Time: **11:23**
